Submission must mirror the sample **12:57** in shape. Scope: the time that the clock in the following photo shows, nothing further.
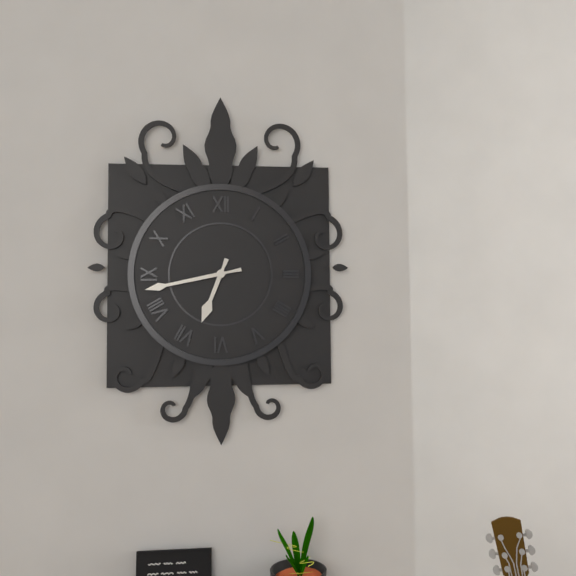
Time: **6:43**
